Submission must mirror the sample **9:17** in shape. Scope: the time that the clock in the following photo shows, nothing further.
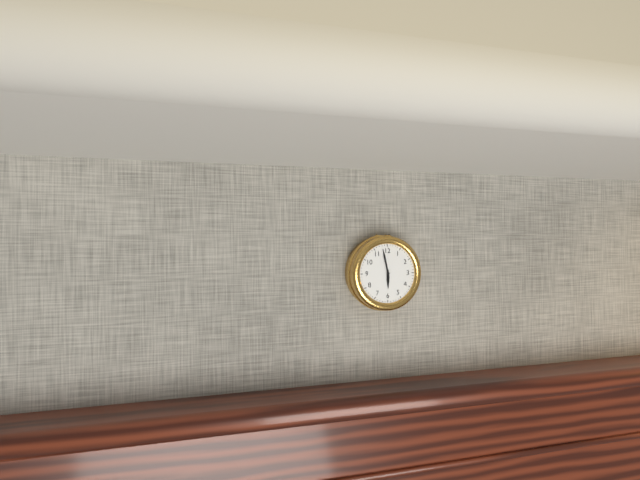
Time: **5:58**
